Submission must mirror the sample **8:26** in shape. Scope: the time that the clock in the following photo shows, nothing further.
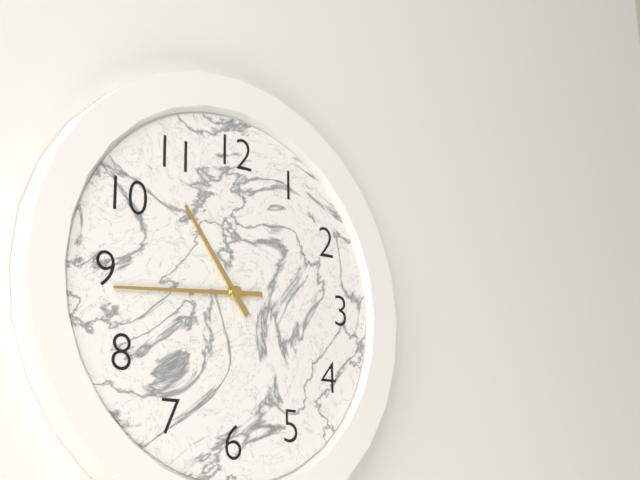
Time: **10:44**
